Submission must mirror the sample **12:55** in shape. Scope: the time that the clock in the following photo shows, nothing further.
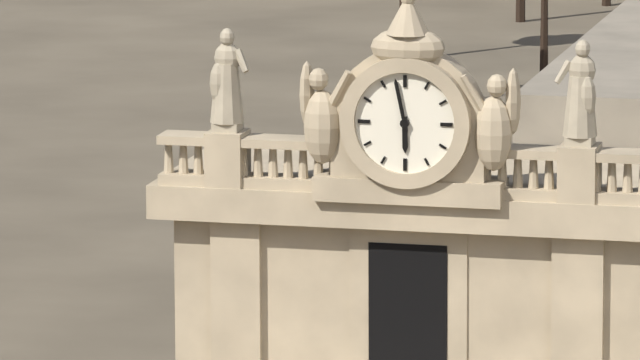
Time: **5:58**
